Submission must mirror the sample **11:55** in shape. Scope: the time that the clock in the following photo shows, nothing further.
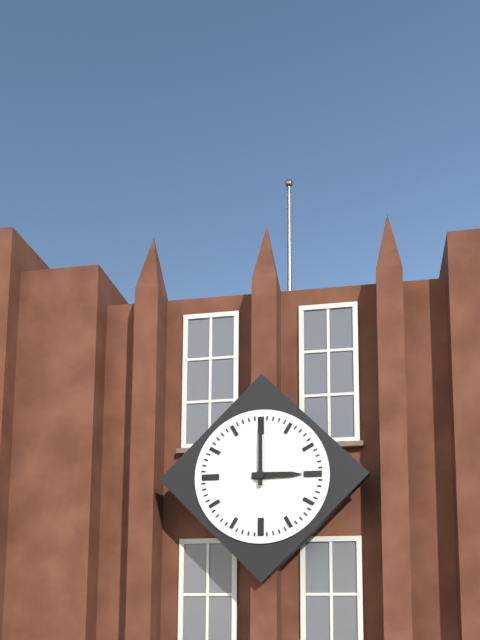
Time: **3:00**
